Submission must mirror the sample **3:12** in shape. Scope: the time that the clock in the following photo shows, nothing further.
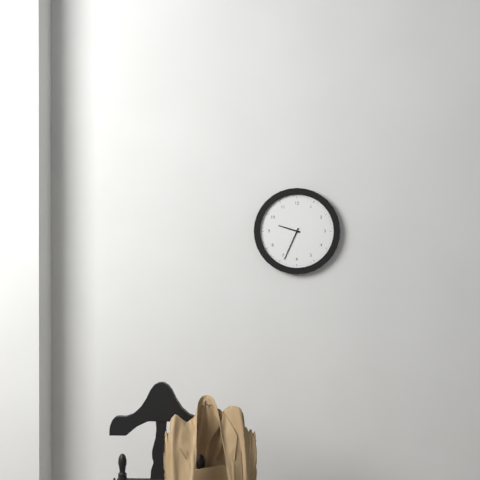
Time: **9:34**
